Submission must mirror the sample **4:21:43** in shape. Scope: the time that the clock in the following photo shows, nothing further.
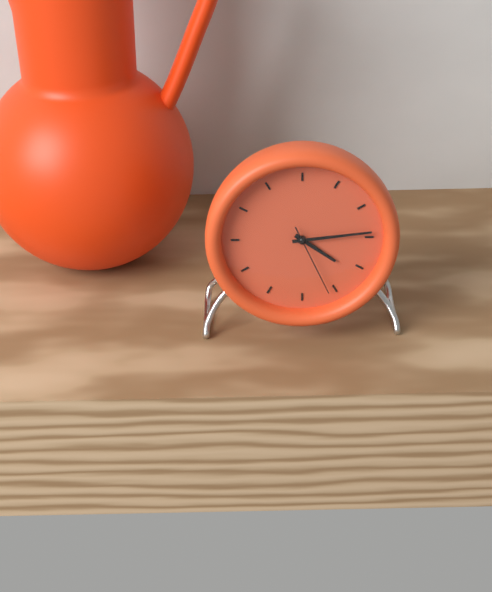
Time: **4:14:26**
